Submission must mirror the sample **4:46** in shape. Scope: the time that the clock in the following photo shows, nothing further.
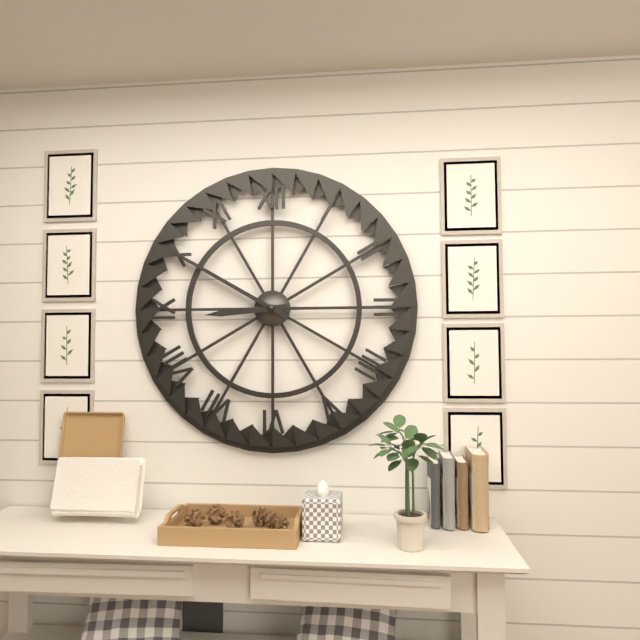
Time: **8:50**
